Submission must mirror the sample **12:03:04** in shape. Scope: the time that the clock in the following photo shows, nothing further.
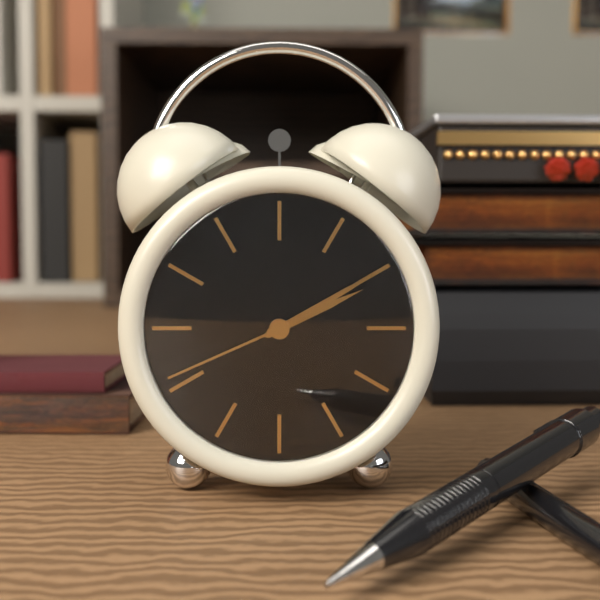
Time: **2:10:41**
